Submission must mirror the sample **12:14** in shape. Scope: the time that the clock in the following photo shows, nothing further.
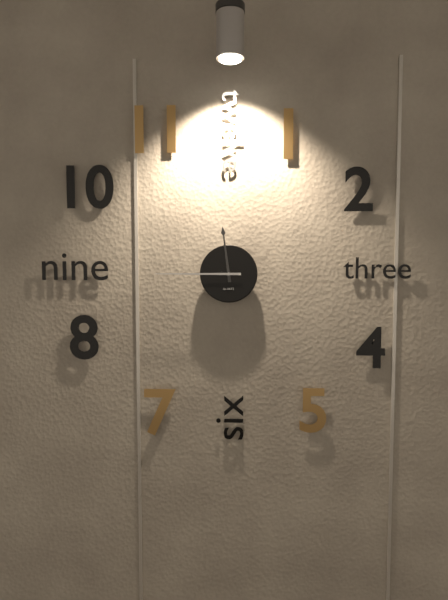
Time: **11:45**
